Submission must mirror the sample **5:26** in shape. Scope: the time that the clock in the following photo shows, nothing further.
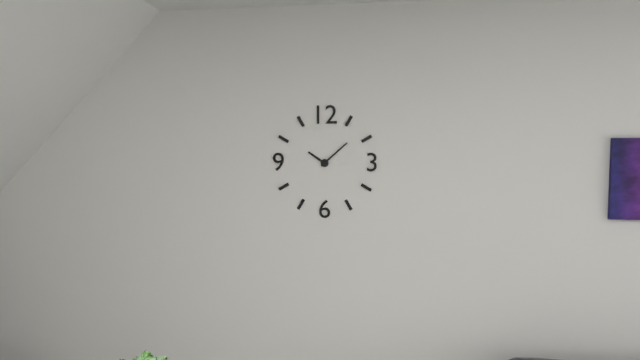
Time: **10:08**
